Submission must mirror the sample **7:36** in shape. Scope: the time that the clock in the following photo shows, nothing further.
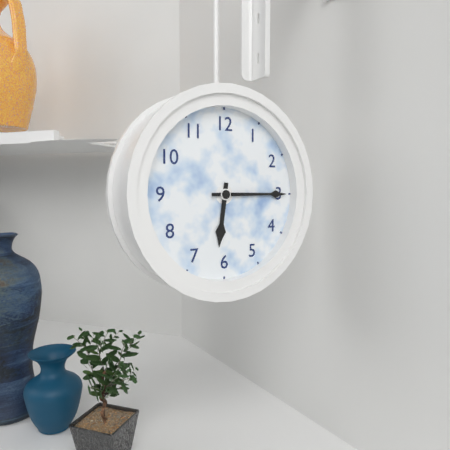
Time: **6:15**
